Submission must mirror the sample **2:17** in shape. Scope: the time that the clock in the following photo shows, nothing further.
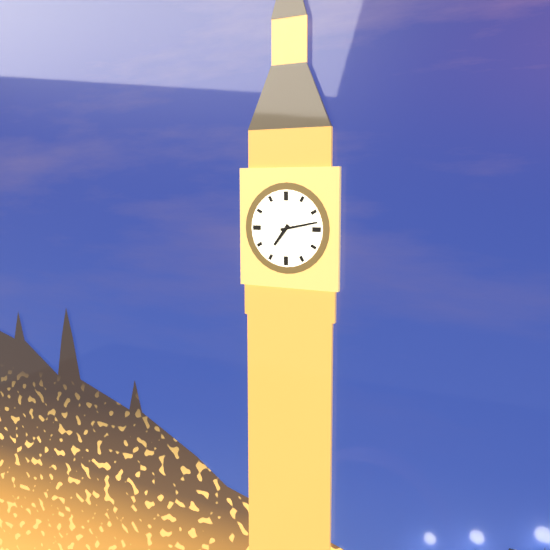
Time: **7:13**
